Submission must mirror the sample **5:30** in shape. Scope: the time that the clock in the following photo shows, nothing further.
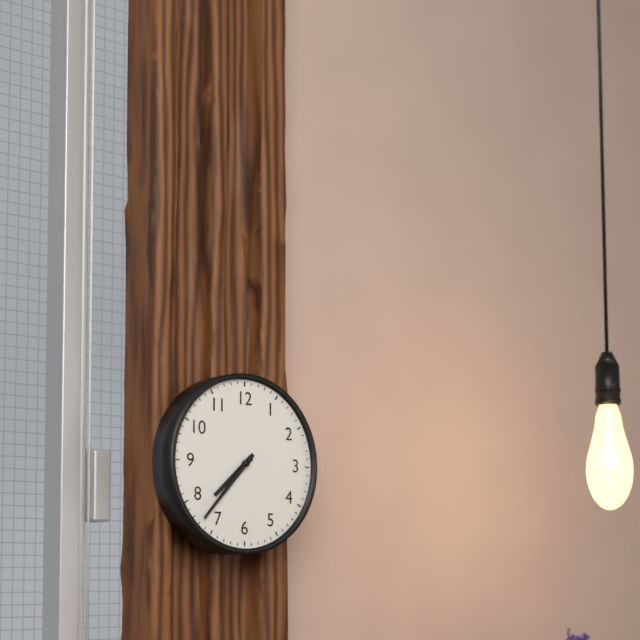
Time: **7:37**
